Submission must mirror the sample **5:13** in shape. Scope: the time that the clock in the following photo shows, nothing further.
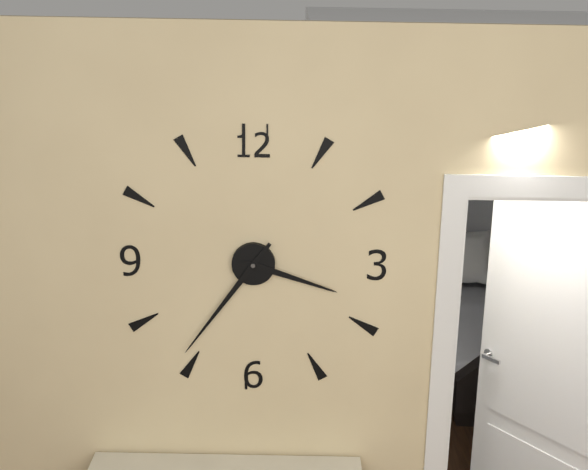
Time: **3:36**
